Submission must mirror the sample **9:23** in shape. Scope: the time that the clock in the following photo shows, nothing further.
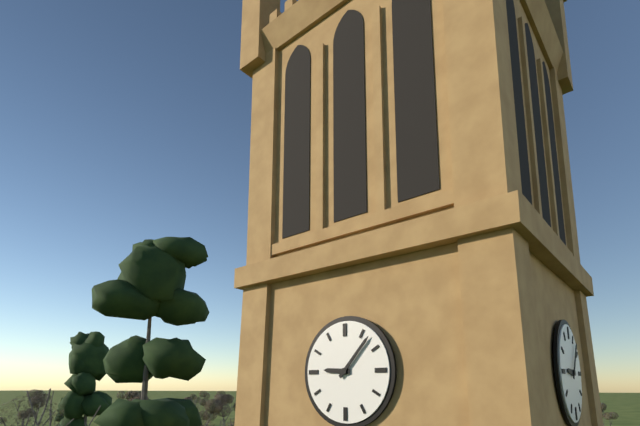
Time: **9:07**
